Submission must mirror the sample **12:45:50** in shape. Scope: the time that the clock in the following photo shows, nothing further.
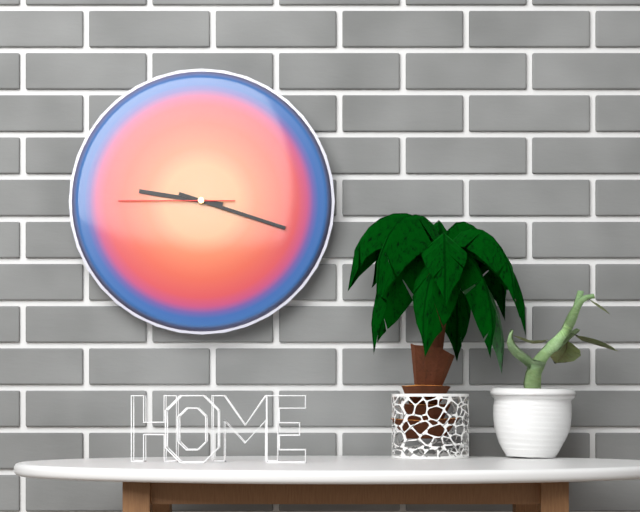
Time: **9:18:45**
